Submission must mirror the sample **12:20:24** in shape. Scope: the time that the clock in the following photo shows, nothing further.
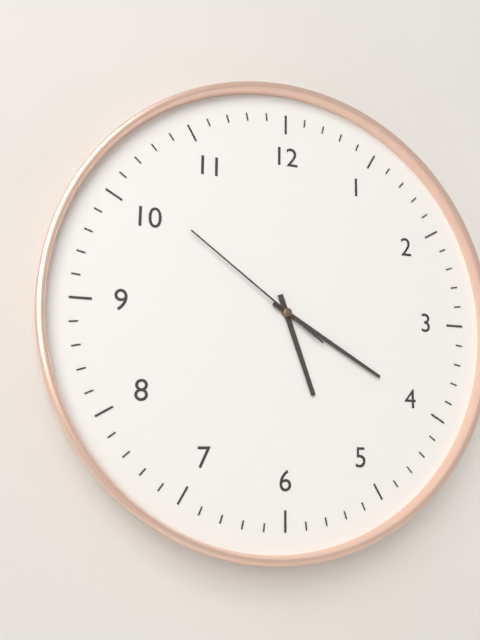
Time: **5:20:51**
